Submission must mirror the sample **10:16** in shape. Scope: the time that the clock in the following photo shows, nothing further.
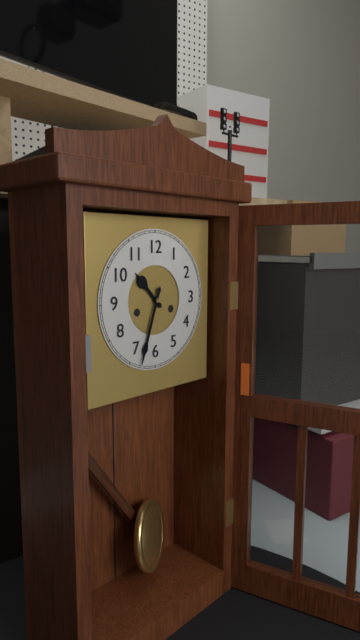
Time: **10:33**
